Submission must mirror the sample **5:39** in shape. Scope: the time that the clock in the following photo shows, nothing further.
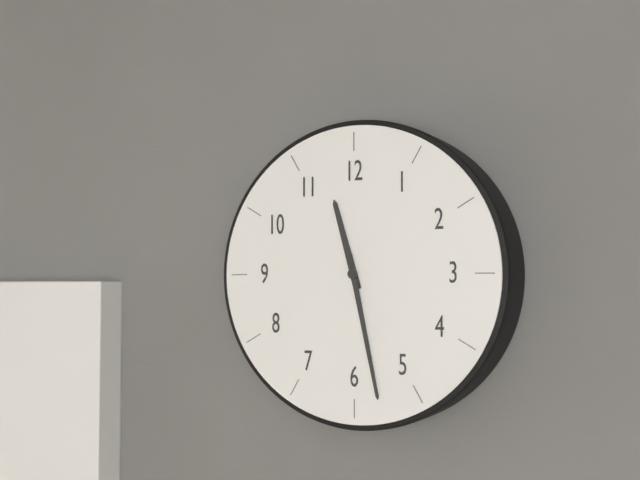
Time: **11:28**
